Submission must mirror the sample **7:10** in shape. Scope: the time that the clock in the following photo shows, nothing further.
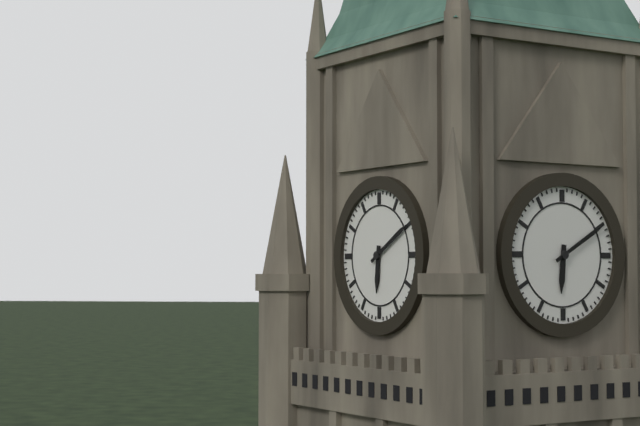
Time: **6:10**
